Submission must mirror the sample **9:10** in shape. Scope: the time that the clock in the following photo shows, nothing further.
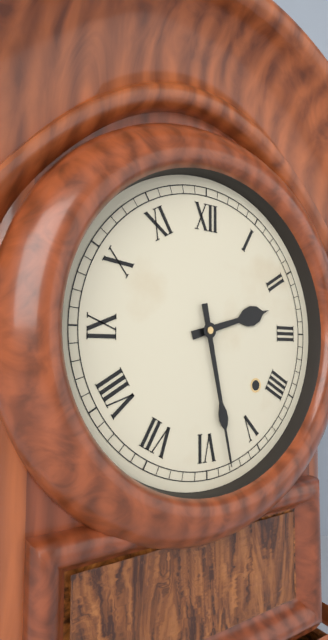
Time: **2:28**
